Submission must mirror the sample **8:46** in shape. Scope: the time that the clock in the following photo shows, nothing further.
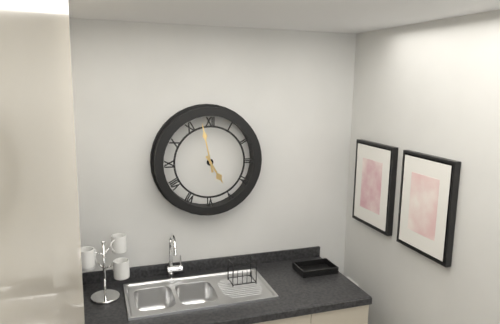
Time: **4:58**
